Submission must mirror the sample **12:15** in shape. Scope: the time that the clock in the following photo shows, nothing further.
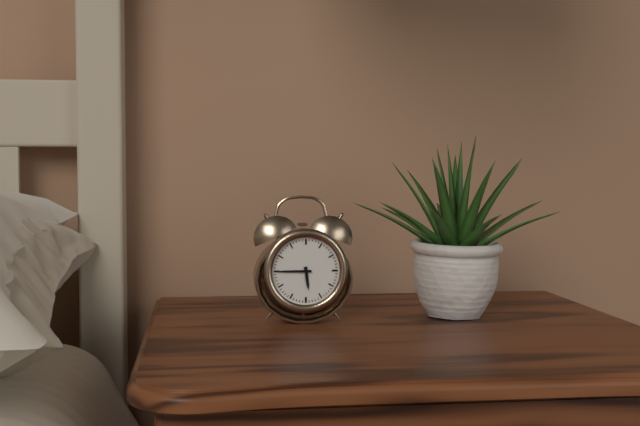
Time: **5:45**
